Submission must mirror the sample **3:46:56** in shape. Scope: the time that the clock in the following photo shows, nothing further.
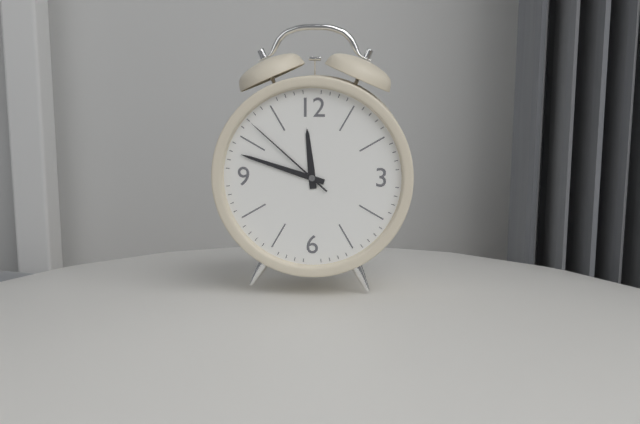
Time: **11:48:52**
